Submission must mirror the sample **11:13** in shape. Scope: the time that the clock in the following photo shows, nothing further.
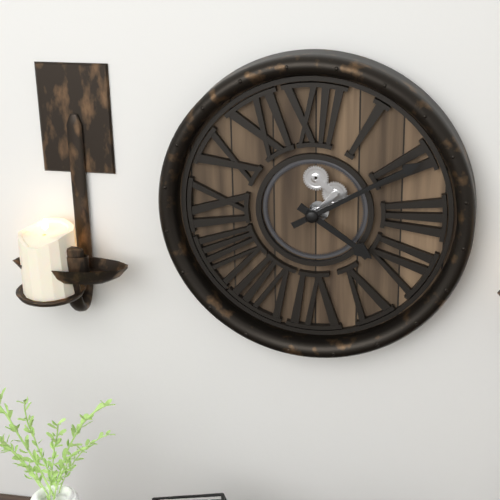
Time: **4:10**
